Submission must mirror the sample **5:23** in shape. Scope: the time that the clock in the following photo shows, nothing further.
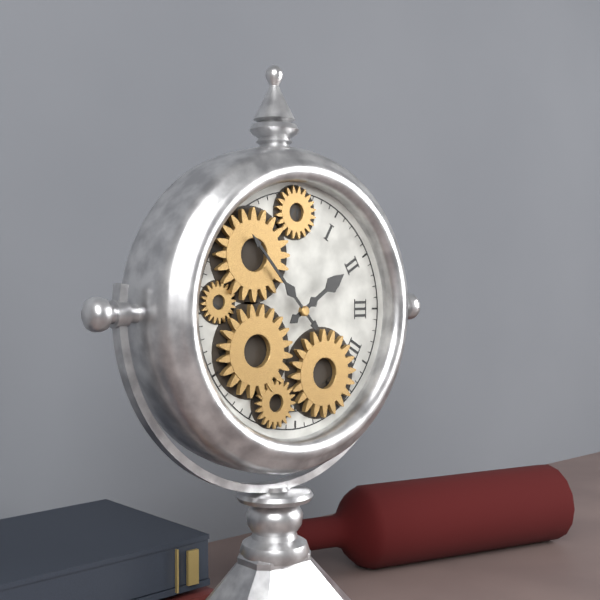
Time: **1:53**
